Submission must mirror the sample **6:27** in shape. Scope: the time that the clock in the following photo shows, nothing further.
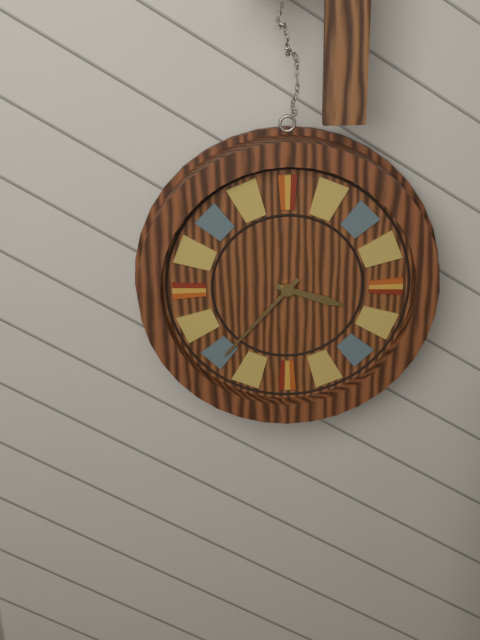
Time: **3:37**
